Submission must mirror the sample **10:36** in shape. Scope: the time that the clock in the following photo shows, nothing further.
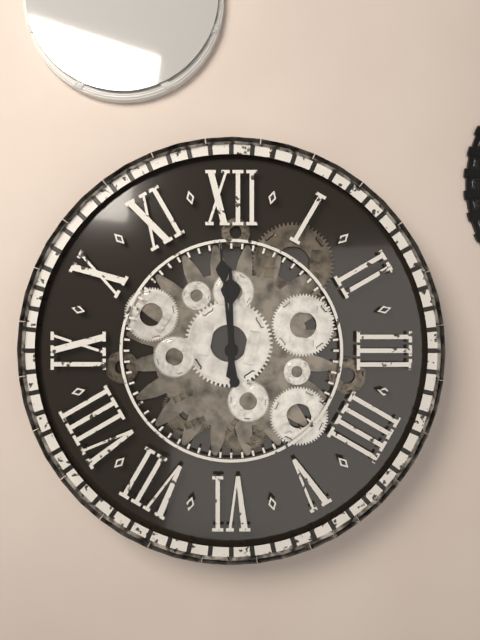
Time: **11:59**
